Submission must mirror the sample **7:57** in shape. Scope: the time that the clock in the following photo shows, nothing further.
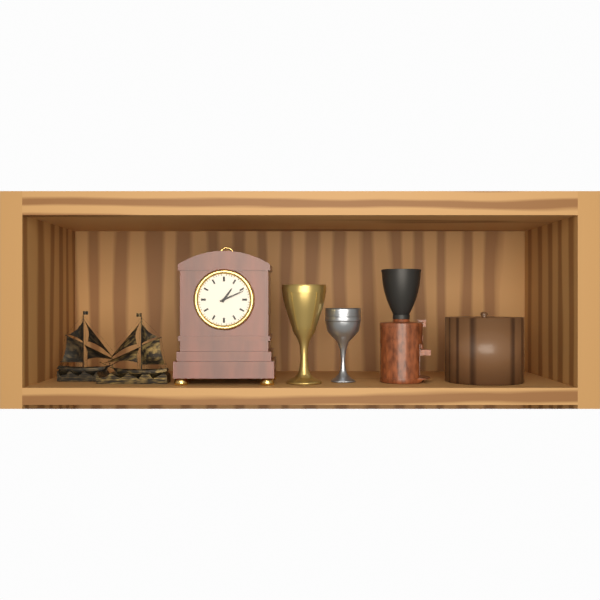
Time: **1:11**
